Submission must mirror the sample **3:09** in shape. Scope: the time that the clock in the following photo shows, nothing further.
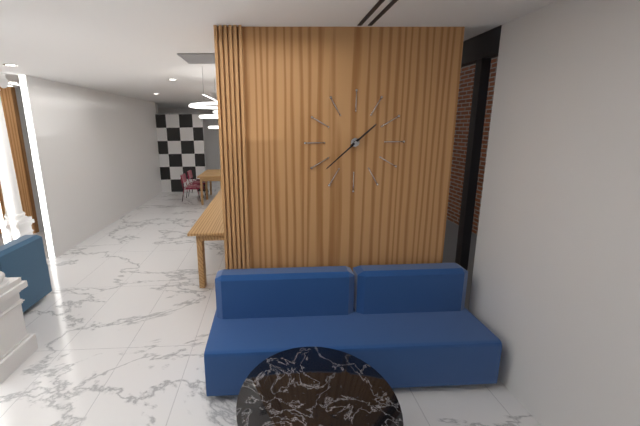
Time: **1:38**
